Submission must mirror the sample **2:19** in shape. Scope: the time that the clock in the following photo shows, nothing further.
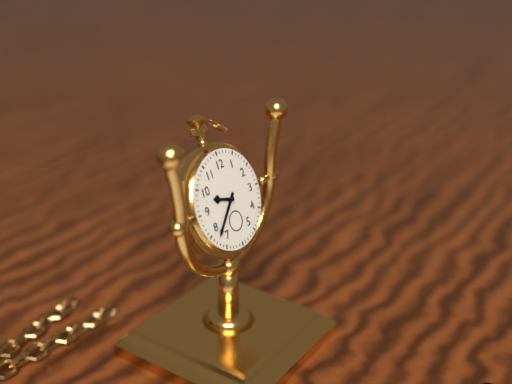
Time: **9:38**
